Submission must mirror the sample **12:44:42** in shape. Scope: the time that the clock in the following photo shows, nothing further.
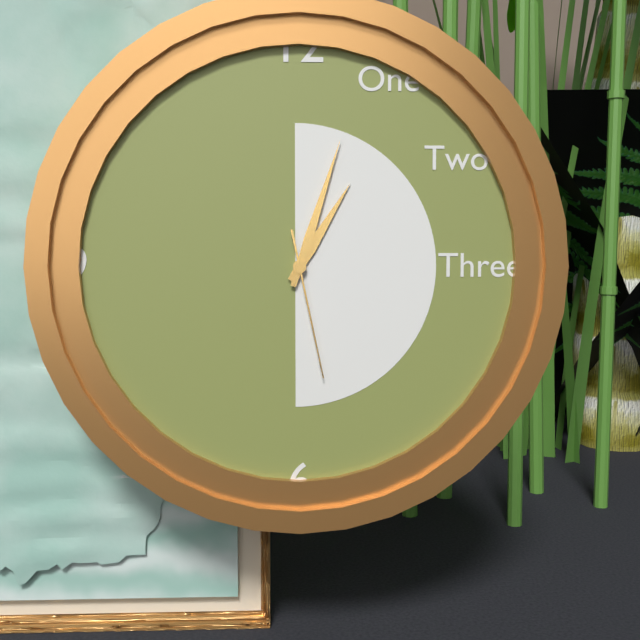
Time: **1:03:28**
